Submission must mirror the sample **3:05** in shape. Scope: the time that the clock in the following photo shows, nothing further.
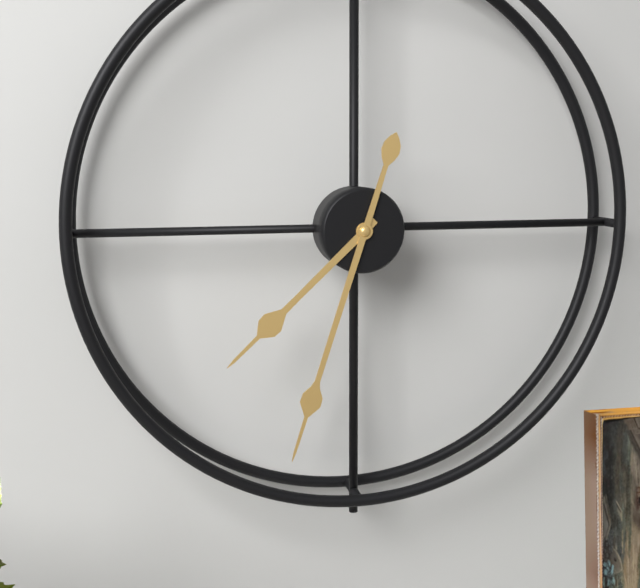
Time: **7:33**
